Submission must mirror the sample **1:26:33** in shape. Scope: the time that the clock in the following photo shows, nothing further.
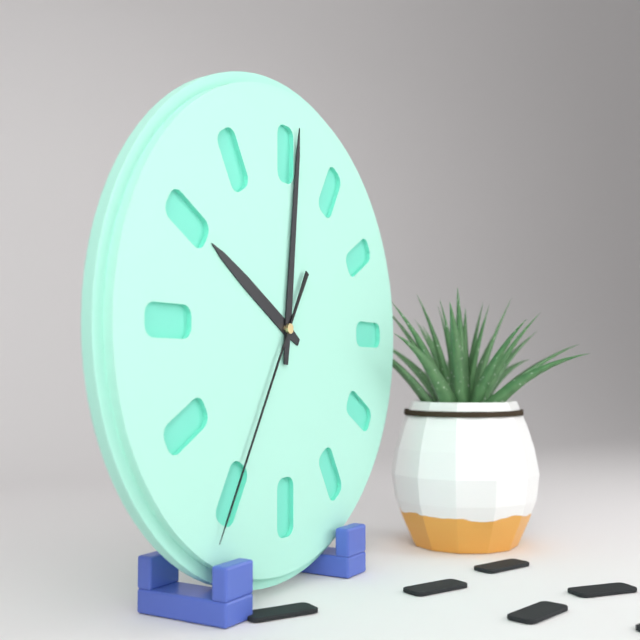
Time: **10:01:35**
